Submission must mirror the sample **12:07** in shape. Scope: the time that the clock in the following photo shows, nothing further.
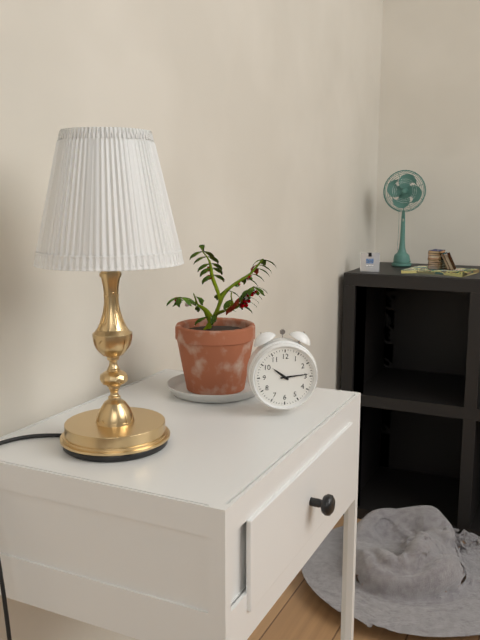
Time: **10:14**
